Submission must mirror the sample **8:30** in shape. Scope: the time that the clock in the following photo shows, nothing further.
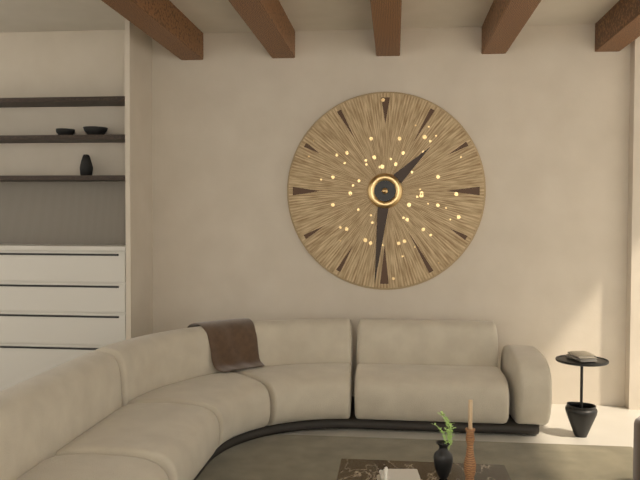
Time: **1:31**
